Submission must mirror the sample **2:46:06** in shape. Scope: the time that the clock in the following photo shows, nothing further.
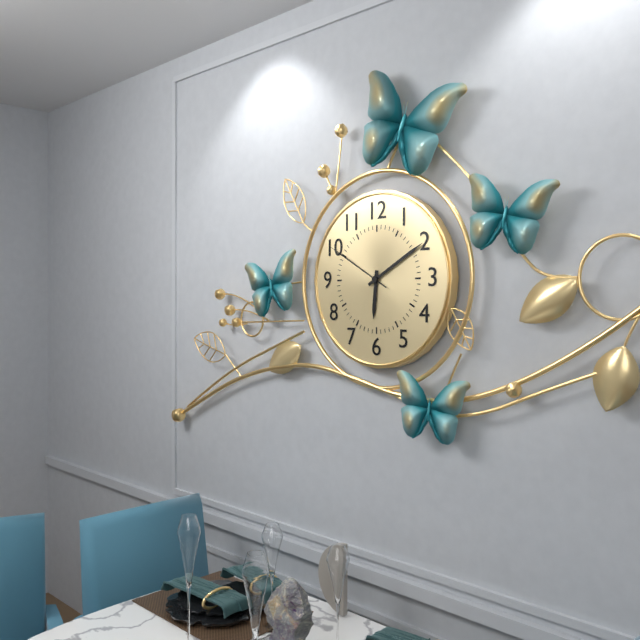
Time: **6:10:50**
